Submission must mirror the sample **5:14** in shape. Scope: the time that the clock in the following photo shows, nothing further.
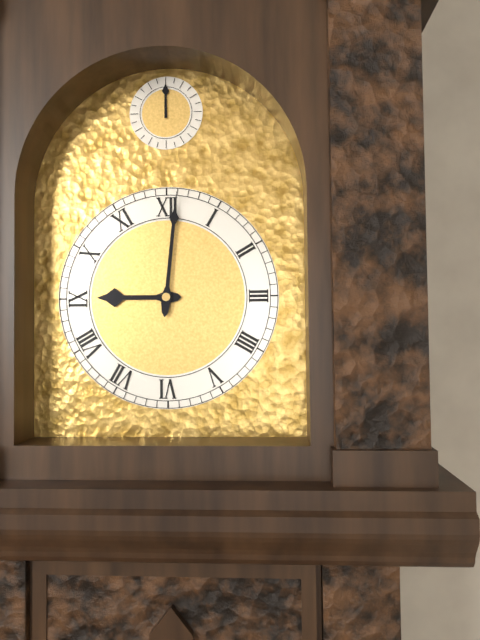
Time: **9:01**
